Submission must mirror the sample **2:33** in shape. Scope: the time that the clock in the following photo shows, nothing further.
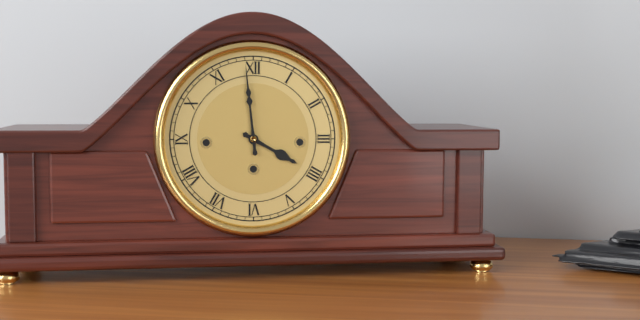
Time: **3:59**
